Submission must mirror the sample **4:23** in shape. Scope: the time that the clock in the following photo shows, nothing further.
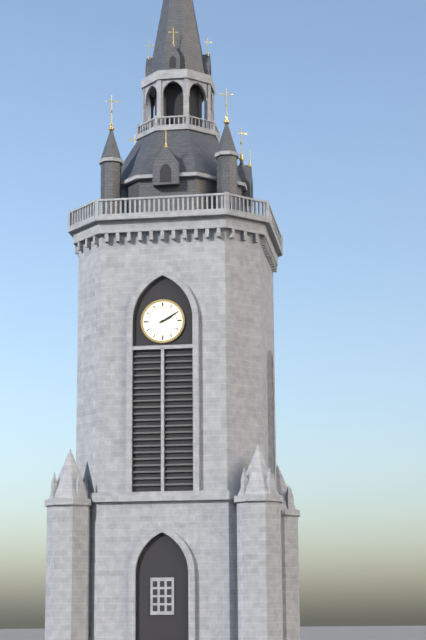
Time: **2:10**
